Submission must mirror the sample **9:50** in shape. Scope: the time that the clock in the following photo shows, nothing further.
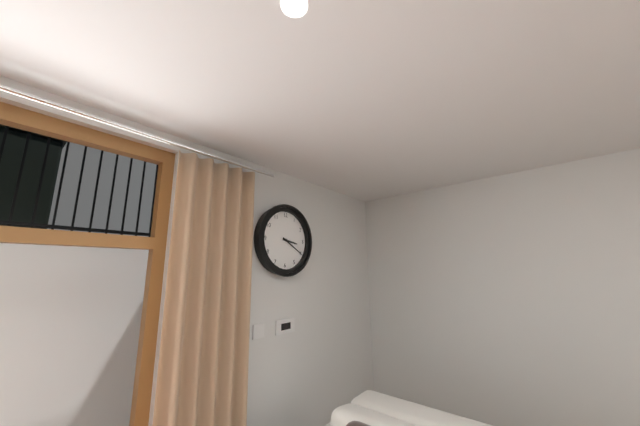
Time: **3:20**
